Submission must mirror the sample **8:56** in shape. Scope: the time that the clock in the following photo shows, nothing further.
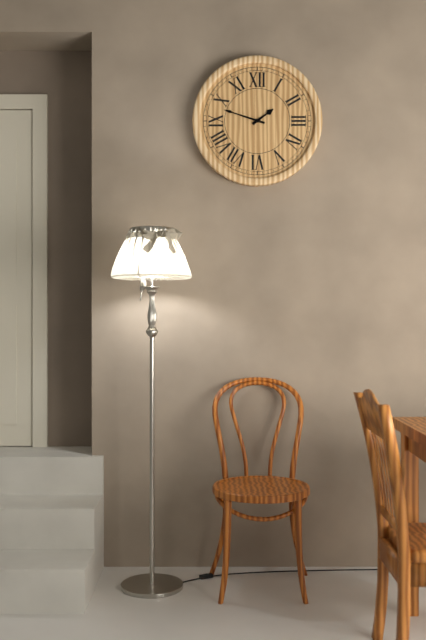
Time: **1:48**
